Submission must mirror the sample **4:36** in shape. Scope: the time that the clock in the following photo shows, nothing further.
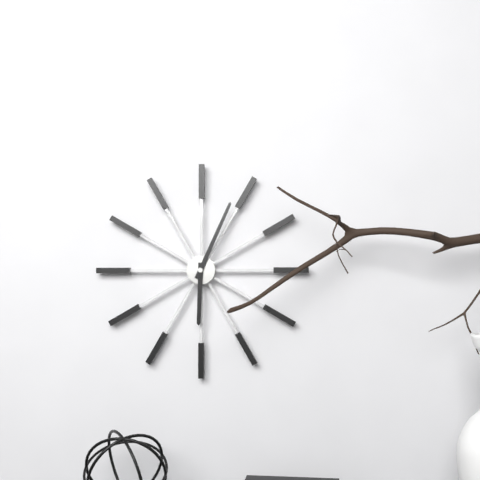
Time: **6:04**
